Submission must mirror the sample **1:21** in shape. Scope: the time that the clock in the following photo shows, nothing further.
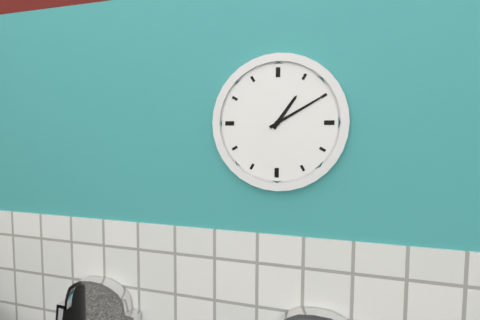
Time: **1:10**
